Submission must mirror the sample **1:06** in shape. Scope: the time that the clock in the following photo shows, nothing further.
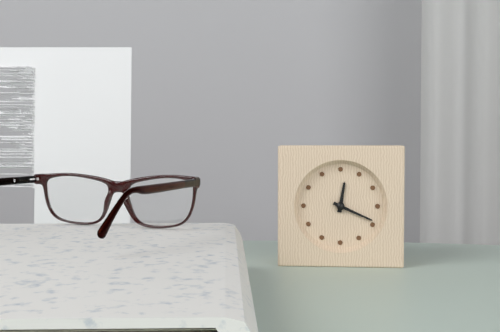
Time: **12:19**
